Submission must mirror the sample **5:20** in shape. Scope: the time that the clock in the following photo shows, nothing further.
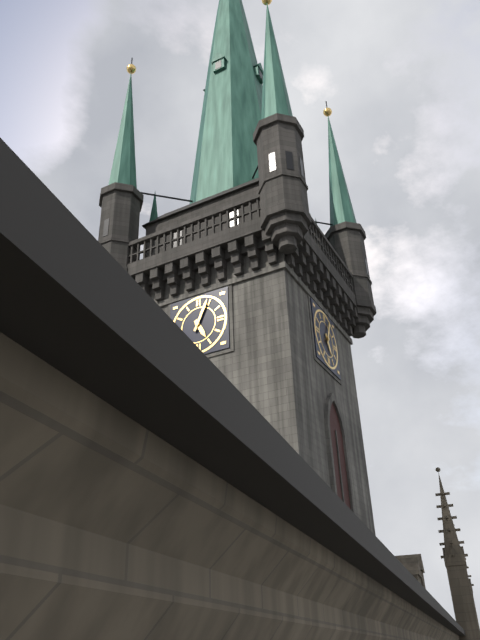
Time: **5:04**
